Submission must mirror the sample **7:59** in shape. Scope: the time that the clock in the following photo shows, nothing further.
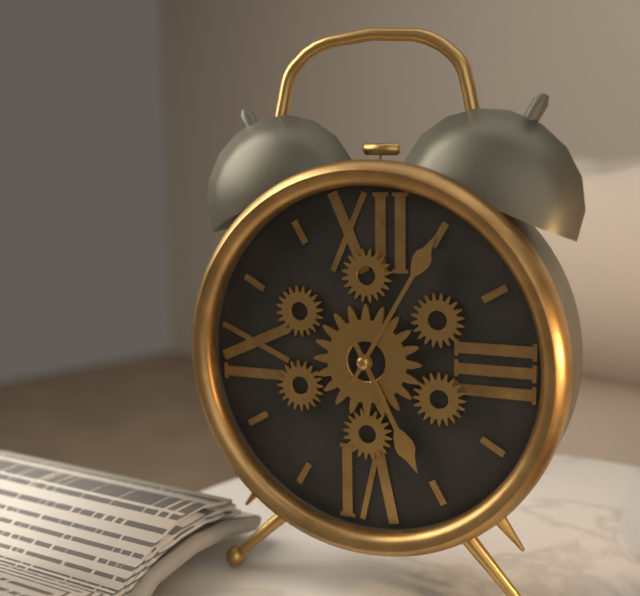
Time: **5:05**
